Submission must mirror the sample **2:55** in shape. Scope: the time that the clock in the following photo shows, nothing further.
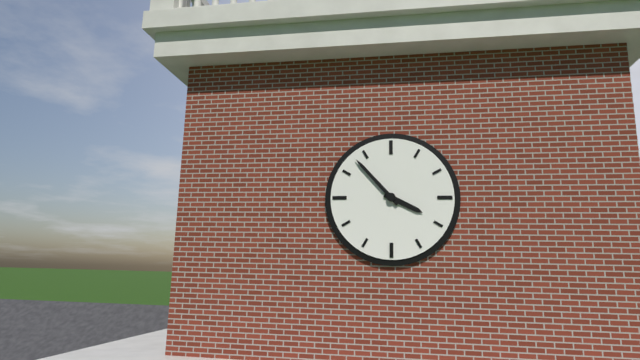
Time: **3:53**
